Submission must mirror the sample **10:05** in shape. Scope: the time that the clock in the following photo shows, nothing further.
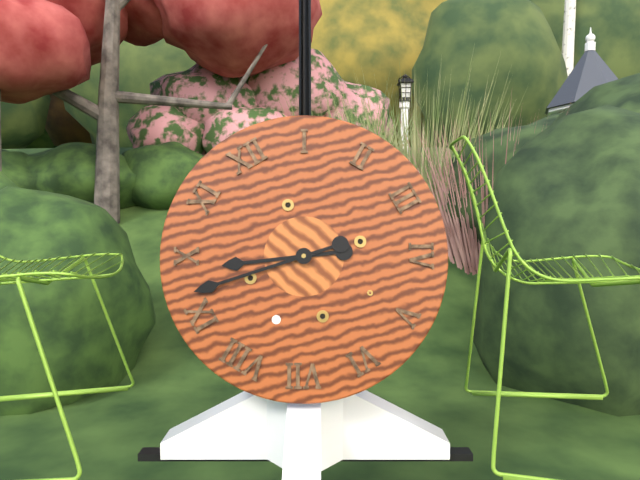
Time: **9:47**
